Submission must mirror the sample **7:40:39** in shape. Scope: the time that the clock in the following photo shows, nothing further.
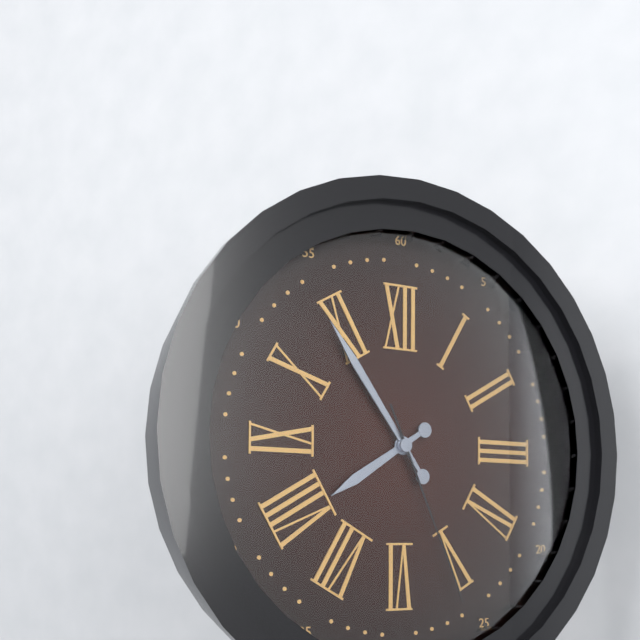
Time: **7:54:26**
